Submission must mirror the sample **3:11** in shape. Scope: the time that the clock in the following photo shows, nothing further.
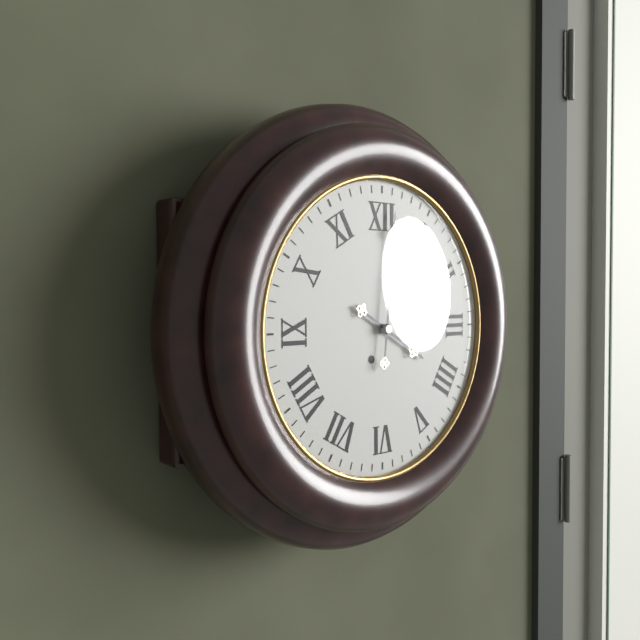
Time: **4:01**
